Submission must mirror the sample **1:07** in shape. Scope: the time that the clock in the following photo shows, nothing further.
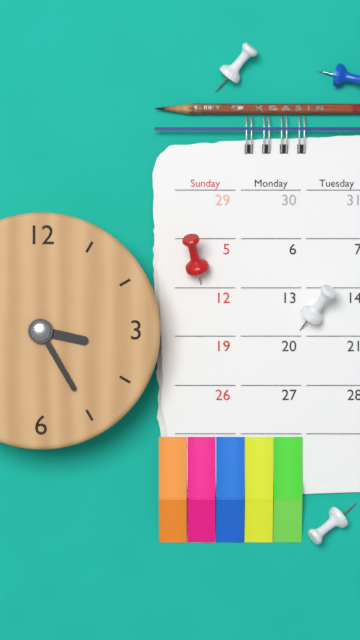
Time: **3:25**
